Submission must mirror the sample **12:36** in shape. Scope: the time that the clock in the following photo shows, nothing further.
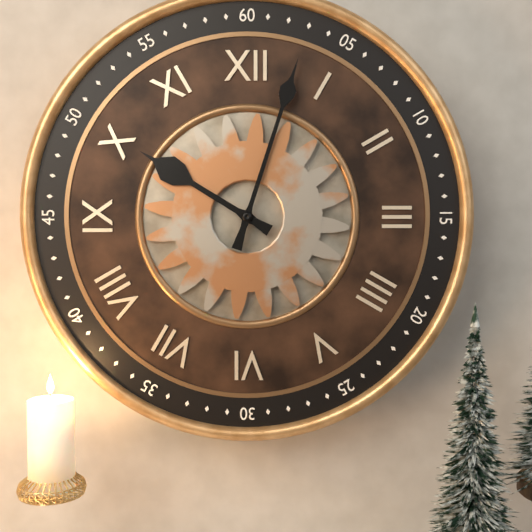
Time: **10:03**
